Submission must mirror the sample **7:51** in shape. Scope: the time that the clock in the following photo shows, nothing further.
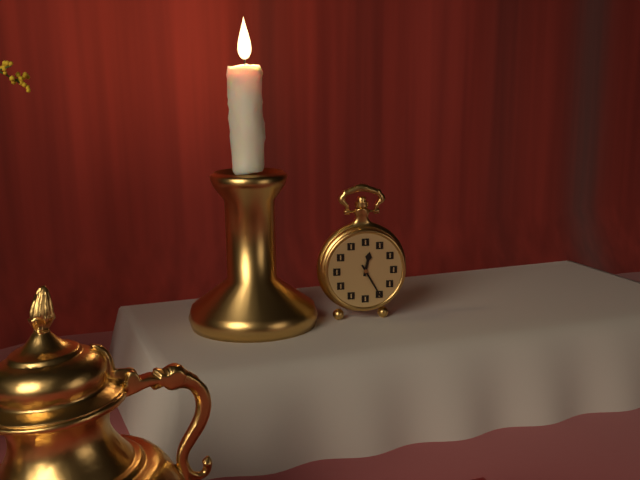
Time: **12:25**
